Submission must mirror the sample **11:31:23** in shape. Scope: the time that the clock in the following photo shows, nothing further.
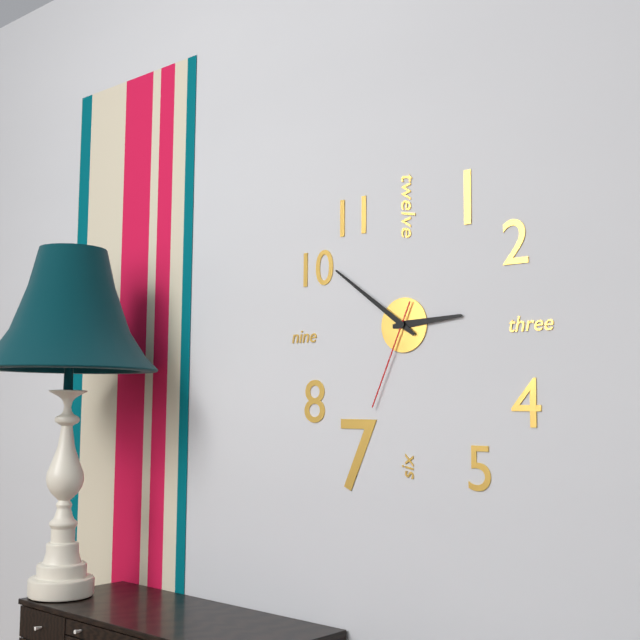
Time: **2:51:34**
